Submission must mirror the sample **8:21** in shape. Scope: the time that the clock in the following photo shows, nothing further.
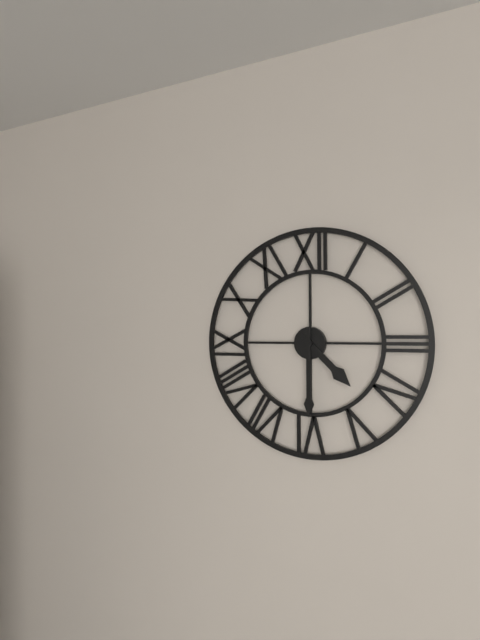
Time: **4:30**
